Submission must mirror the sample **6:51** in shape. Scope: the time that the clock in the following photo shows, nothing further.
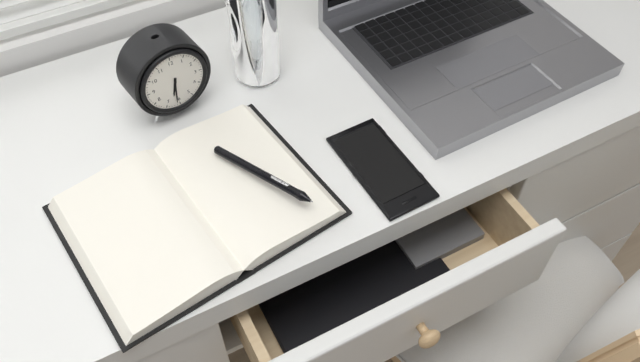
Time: **6:31**
